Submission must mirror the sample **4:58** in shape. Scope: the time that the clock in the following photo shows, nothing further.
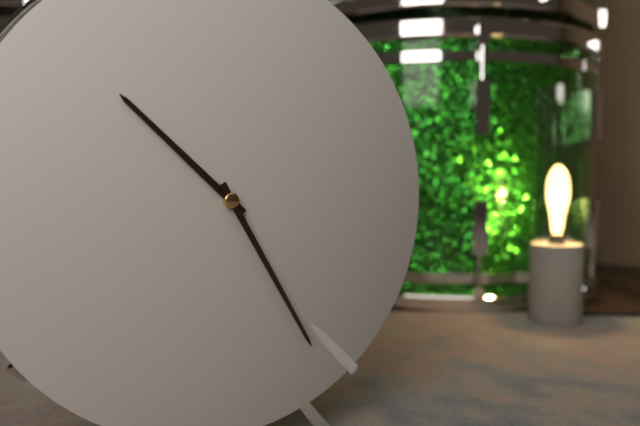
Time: **10:25**
